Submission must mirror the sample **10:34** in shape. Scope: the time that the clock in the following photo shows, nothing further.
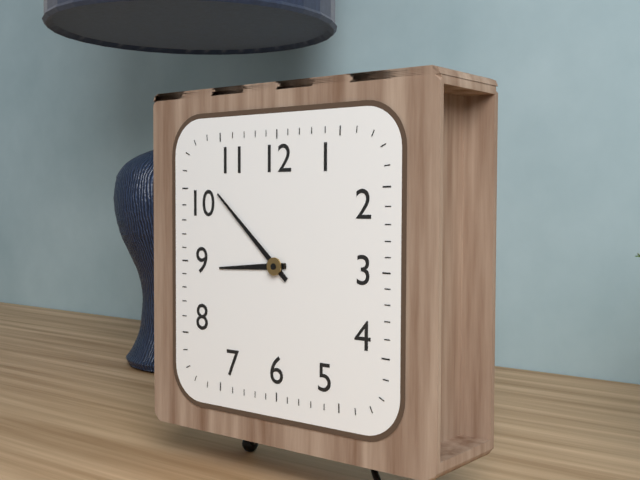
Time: **8:52**
